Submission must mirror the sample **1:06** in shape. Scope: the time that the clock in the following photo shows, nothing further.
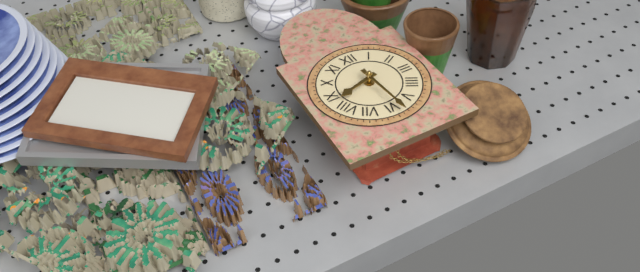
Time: **8:29**
